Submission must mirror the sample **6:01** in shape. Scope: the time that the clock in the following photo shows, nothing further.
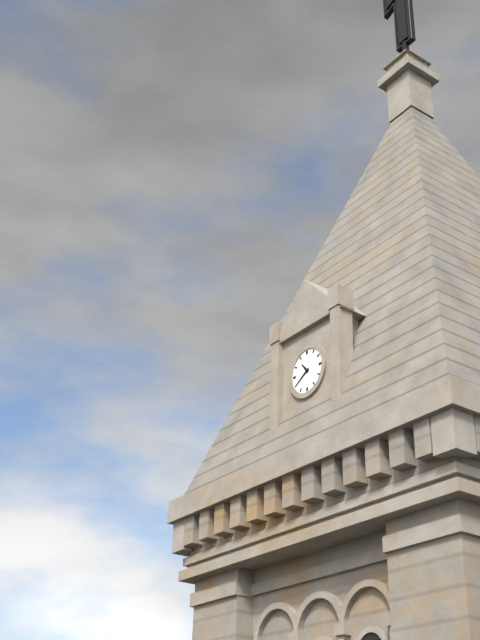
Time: **10:40**
